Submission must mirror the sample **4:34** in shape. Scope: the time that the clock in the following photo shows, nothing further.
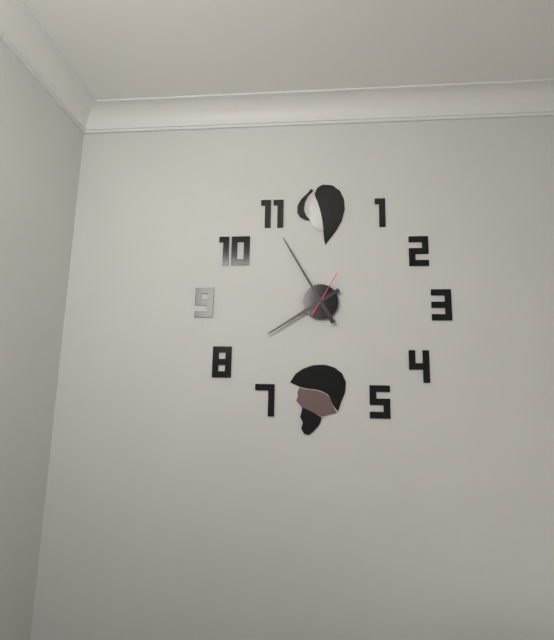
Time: **7:55**
